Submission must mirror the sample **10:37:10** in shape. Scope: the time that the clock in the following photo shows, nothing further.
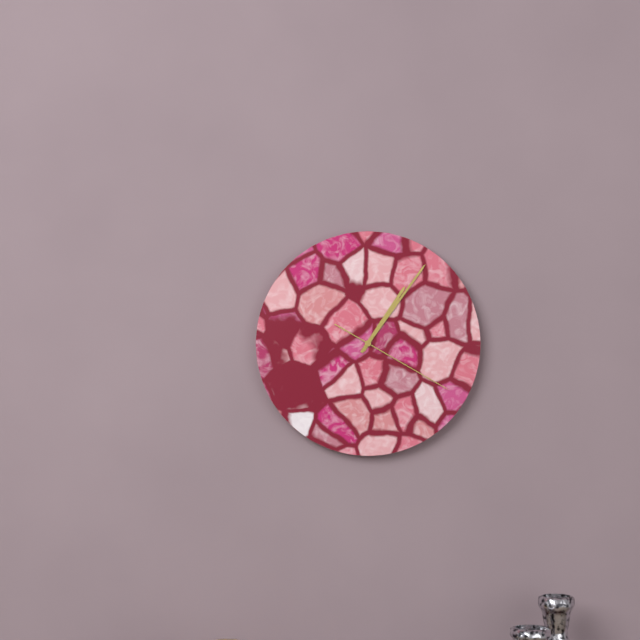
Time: **1:06:20**
